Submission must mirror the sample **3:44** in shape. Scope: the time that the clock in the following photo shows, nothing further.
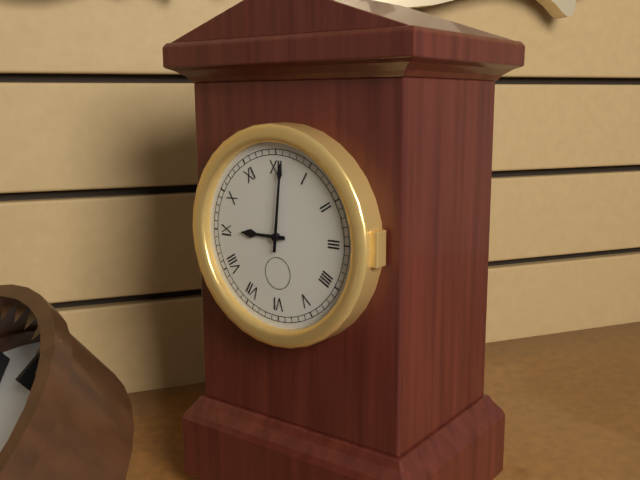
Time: **9:01**
